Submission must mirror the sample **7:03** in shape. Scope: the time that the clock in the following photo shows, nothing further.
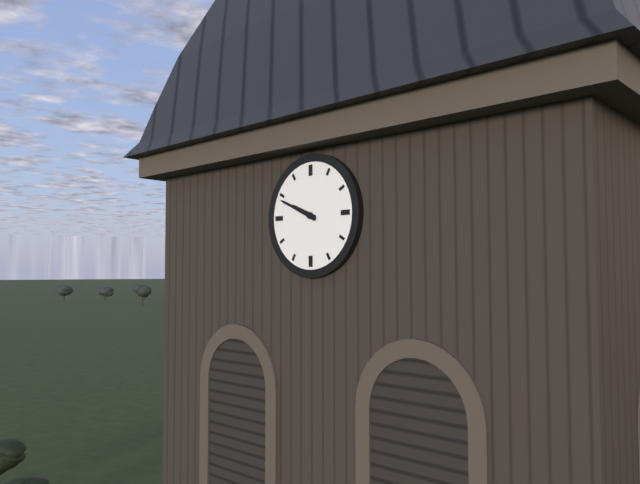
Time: **9:49**
